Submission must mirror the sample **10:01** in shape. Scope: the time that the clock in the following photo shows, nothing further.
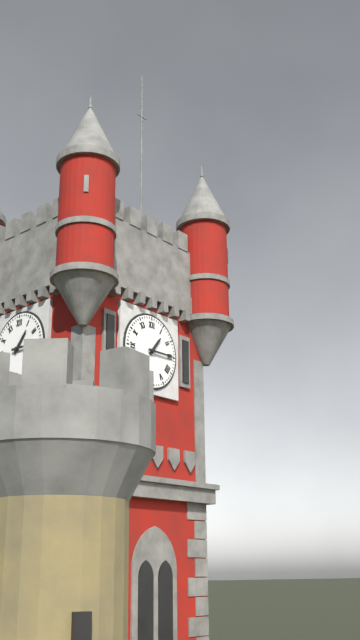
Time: **1:15**
